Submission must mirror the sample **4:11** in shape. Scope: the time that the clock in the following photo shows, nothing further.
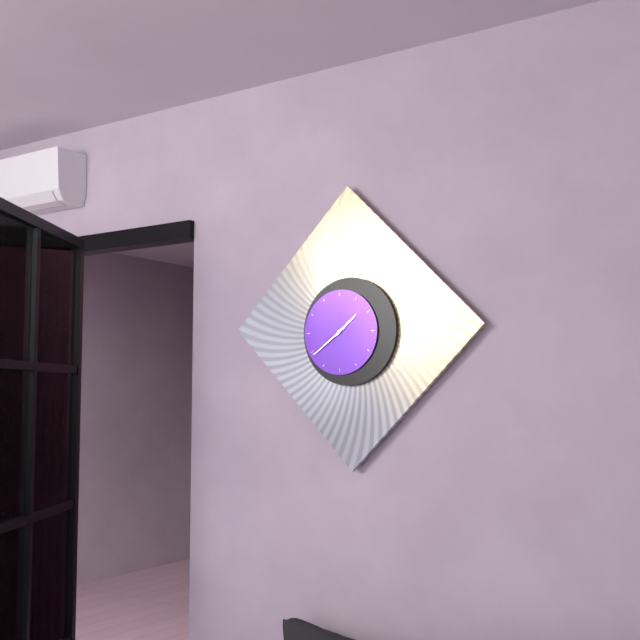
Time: **1:39**
